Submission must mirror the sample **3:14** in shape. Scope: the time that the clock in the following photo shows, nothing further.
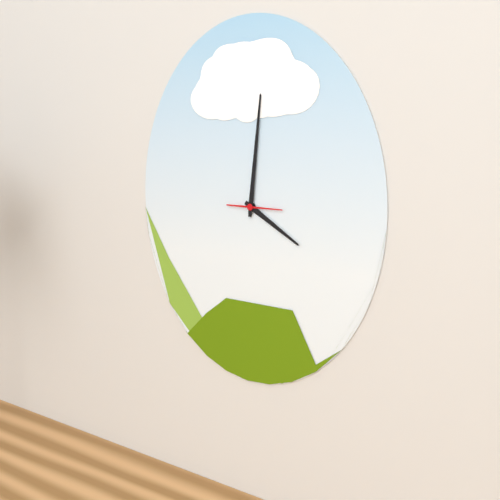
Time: **4:01**
